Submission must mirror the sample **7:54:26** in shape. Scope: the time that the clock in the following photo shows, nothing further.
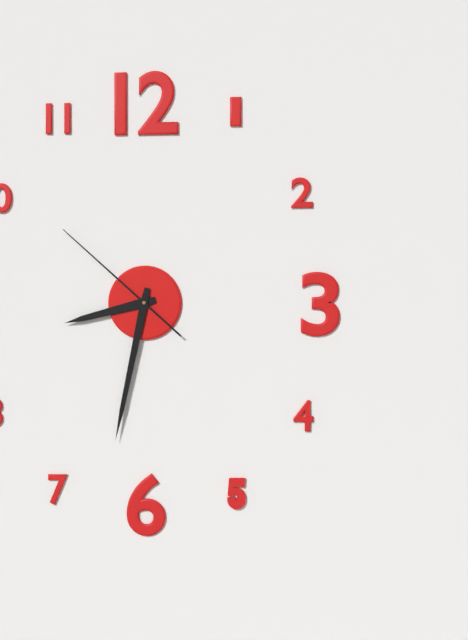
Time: **8:32:52**
